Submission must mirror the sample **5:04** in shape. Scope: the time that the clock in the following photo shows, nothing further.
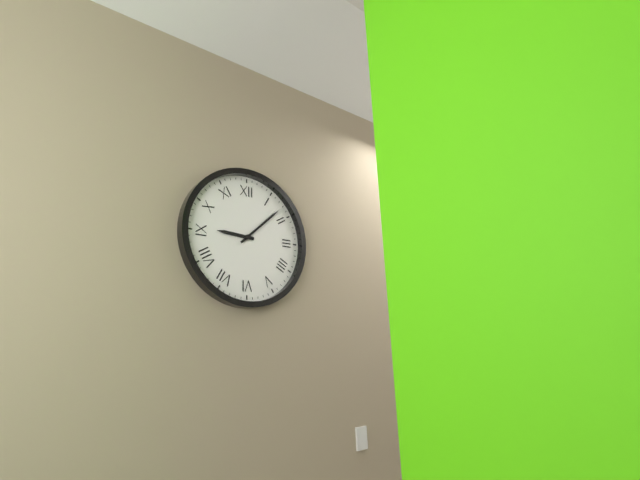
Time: **9:08**
